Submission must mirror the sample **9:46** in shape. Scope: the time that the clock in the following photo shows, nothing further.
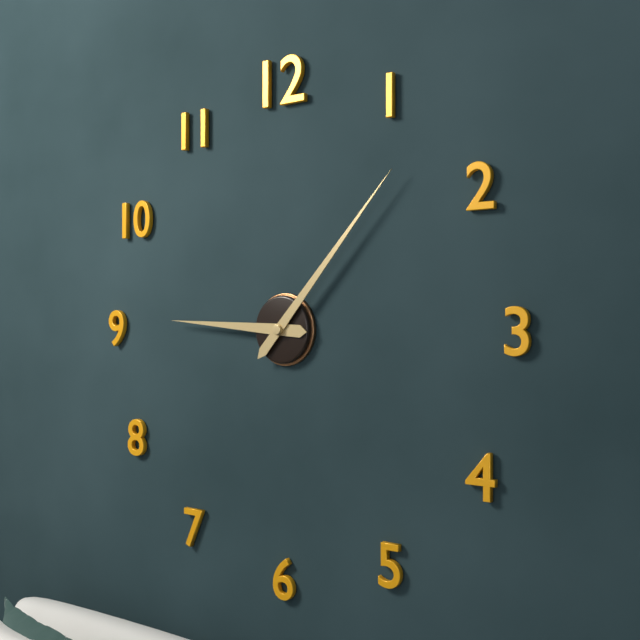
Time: **9:07**
